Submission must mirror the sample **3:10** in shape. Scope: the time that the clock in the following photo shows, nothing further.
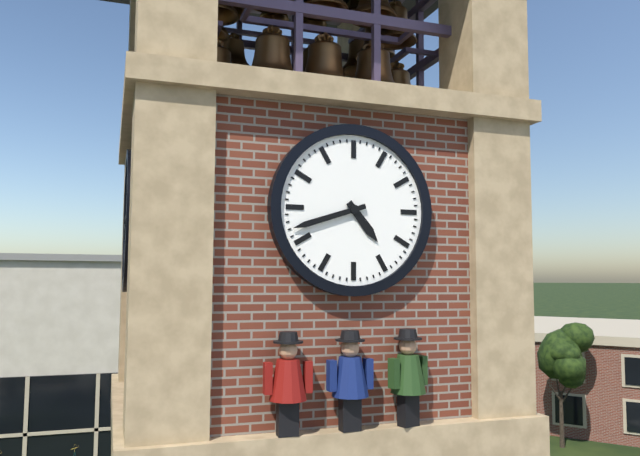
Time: **4:42**
